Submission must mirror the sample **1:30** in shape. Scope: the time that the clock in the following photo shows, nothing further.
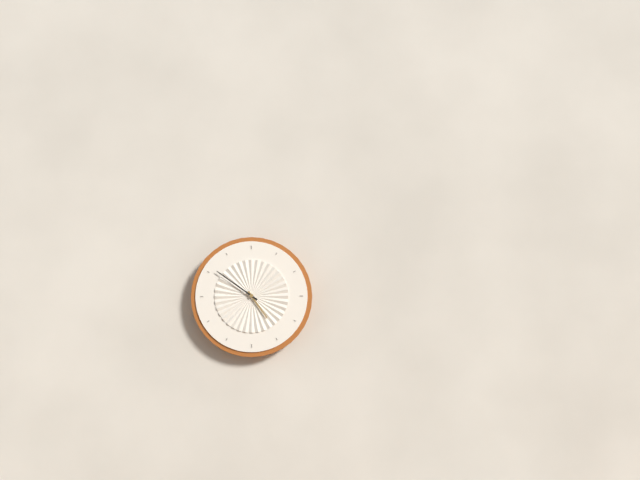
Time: **4:51**
